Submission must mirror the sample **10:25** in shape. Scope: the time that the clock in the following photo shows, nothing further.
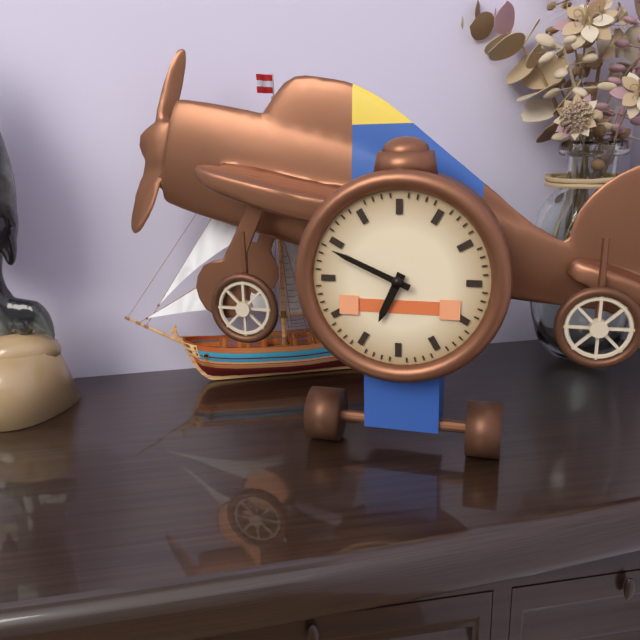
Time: **6:49**
